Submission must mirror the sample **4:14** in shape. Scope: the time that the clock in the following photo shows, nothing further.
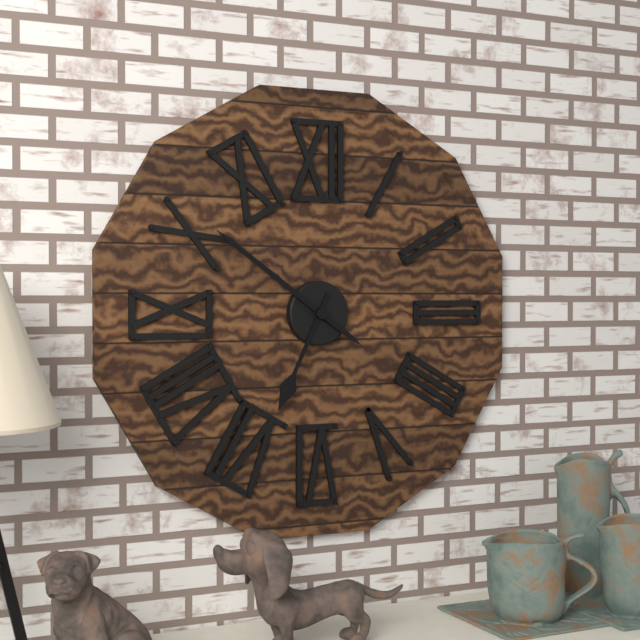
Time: **6:51**
